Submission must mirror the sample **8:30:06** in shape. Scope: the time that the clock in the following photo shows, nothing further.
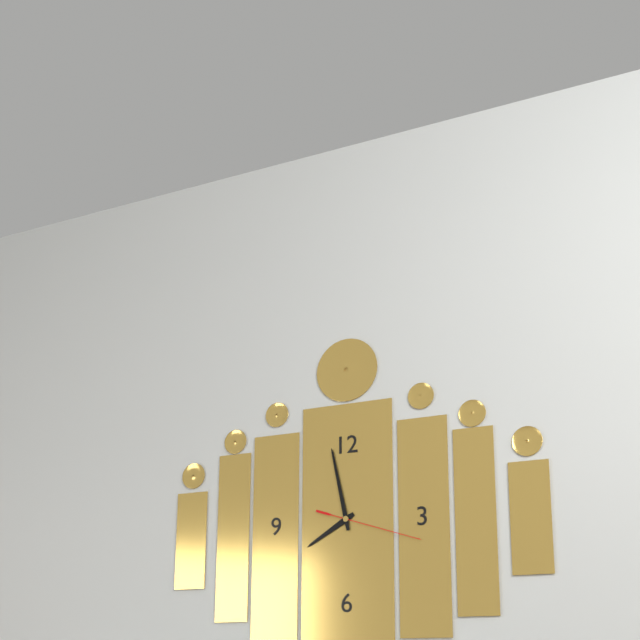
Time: **7:58:18**
